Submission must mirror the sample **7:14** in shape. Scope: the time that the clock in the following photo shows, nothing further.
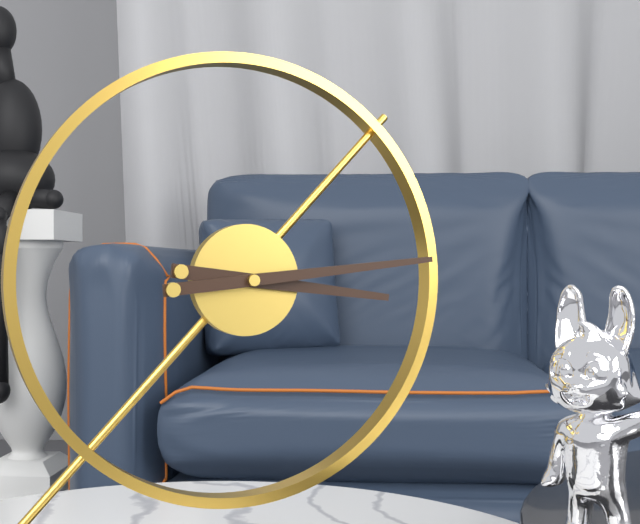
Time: **3:14**
